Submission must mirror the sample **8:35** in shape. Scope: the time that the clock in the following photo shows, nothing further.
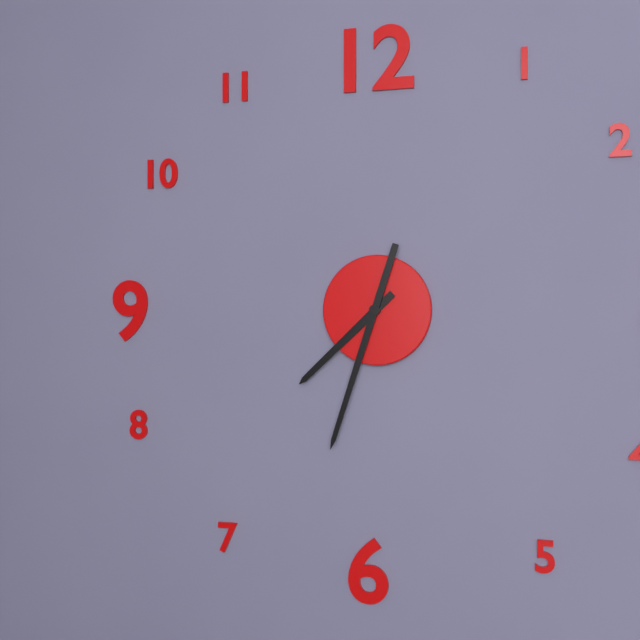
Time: **7:33**
